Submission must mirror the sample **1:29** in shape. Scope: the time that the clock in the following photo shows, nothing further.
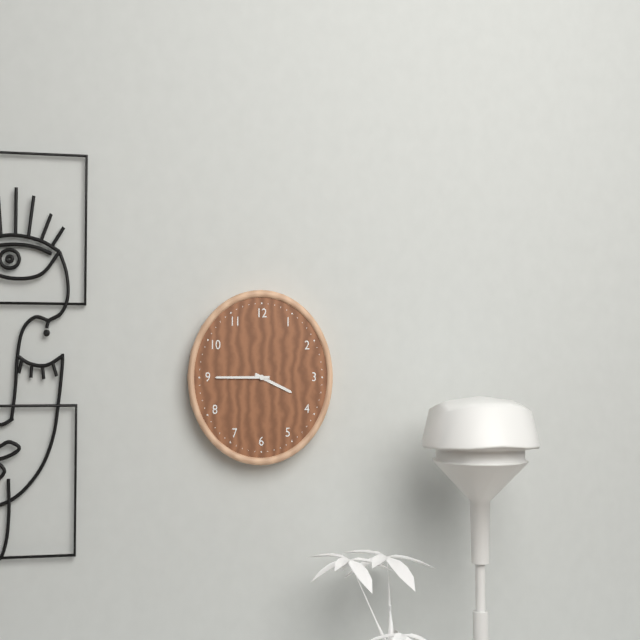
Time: **3:45**
